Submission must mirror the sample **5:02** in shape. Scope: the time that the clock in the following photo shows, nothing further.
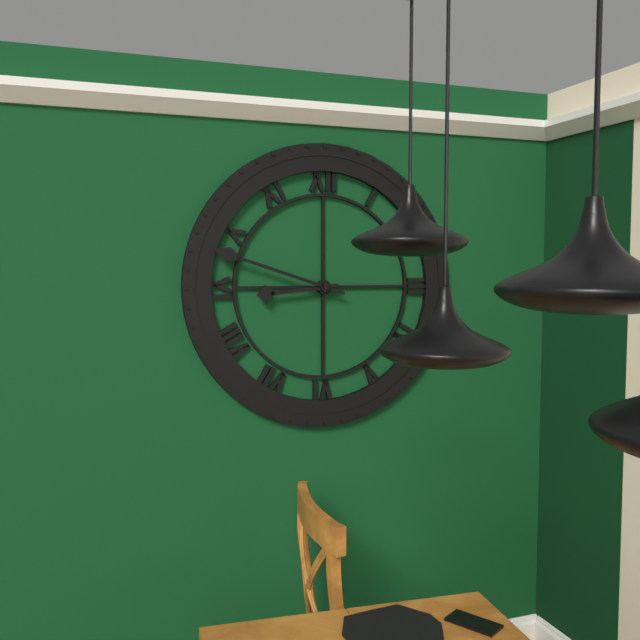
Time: **8:48**
